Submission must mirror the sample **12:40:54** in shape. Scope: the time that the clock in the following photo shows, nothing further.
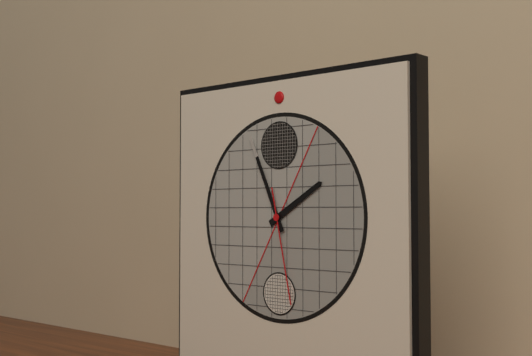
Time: **1:56:28**
